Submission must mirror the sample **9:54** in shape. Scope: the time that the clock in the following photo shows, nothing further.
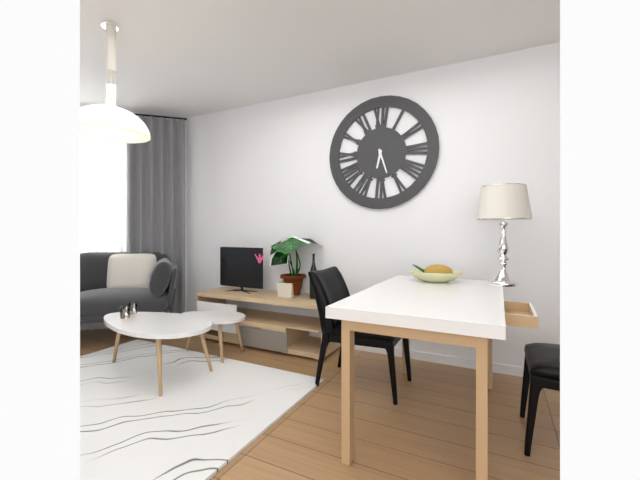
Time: **6:27**
